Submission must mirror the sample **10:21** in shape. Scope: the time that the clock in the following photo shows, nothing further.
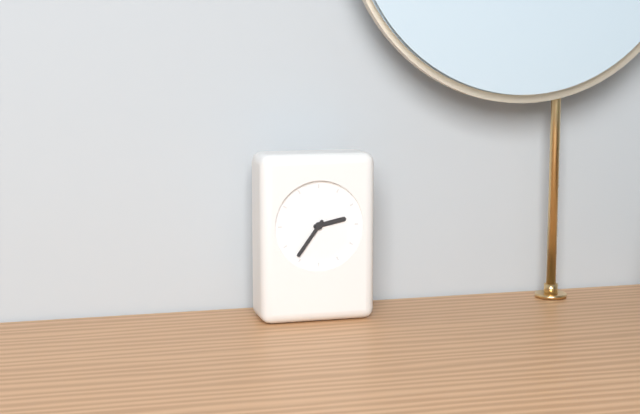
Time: **2:36**
